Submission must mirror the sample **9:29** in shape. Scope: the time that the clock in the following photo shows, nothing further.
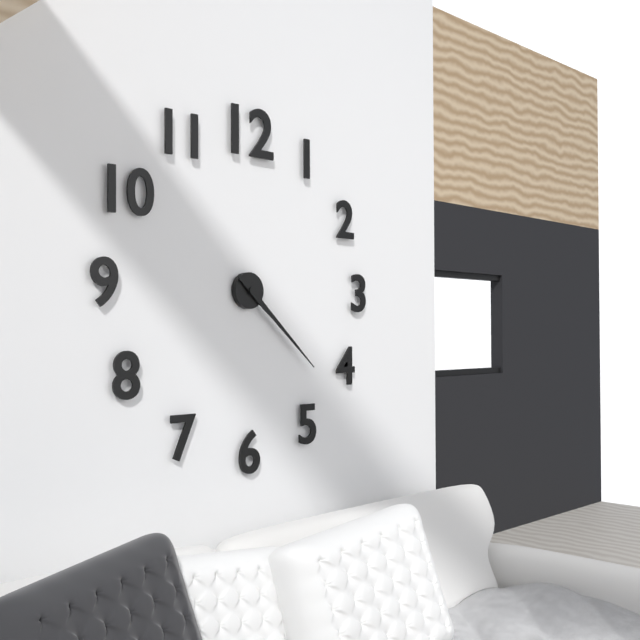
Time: **4:22**
